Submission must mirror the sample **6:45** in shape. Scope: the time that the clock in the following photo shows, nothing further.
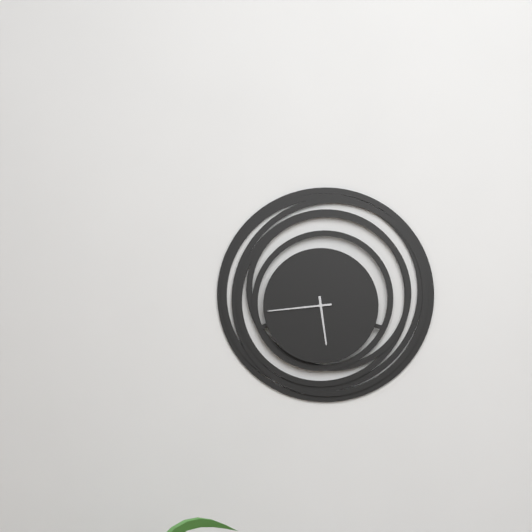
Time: **5:44**
